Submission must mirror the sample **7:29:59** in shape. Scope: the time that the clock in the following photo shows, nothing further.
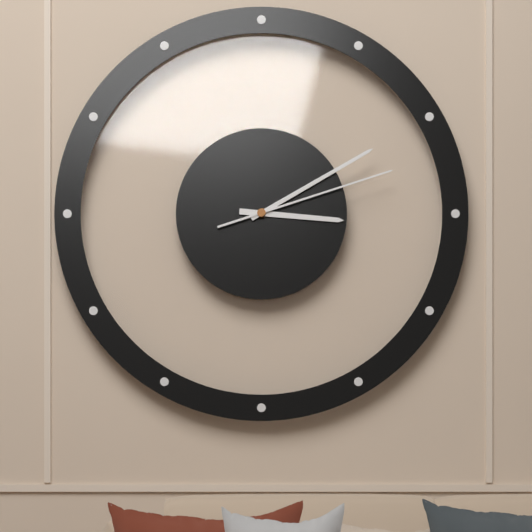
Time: **3:10:12**
